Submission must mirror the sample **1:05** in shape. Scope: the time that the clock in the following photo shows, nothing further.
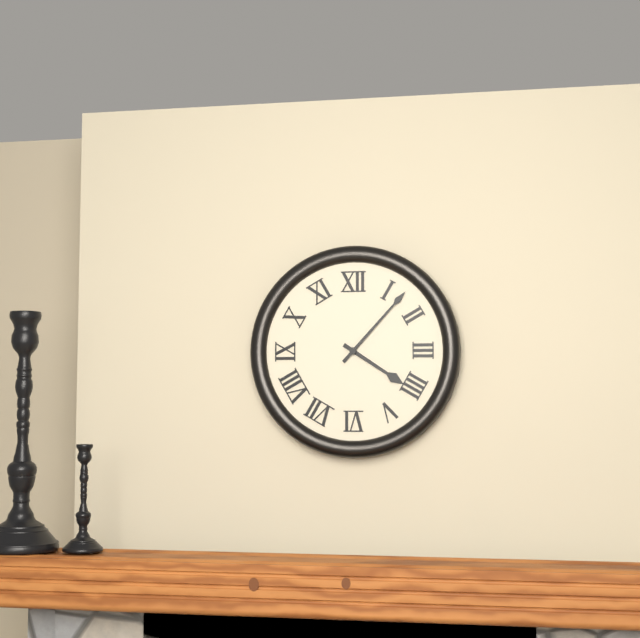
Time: **4:07**
